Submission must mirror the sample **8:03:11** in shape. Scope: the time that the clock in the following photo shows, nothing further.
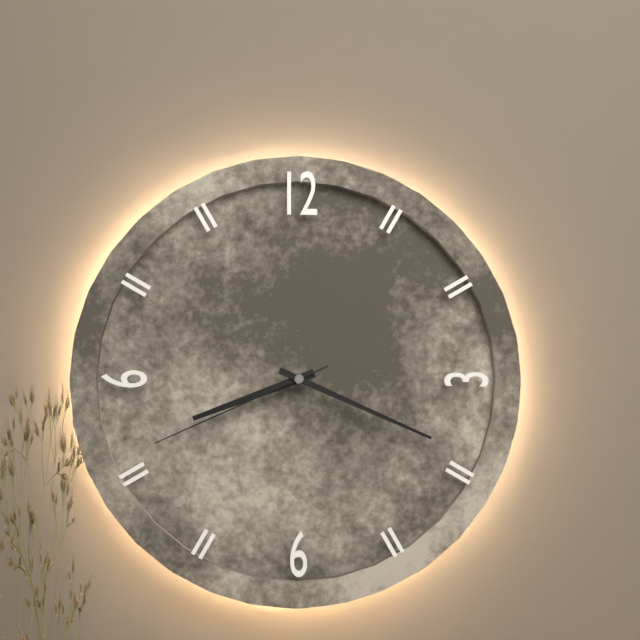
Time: **8:19:41**
